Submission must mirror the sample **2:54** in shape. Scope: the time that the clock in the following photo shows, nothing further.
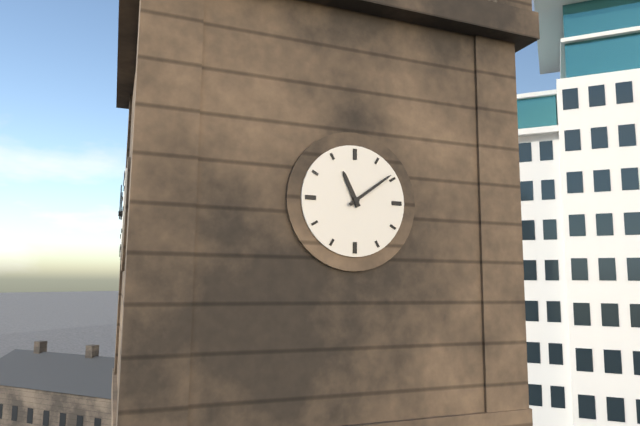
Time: **11:09**
